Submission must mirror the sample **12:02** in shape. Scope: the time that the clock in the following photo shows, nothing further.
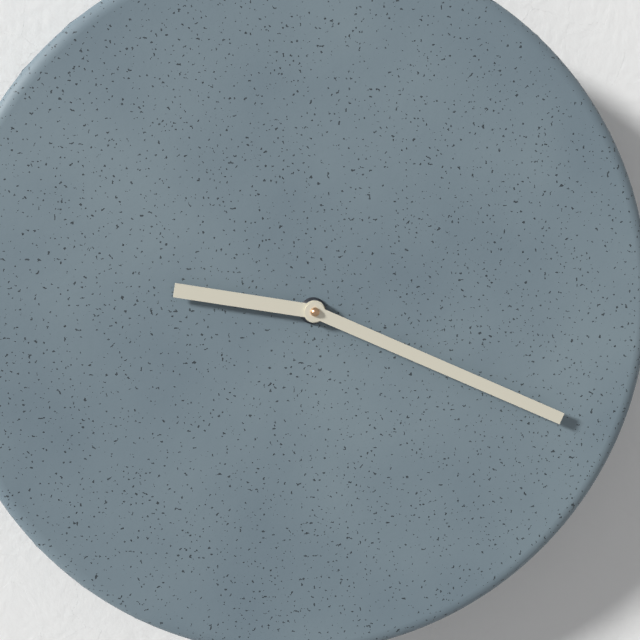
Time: **9:19**
